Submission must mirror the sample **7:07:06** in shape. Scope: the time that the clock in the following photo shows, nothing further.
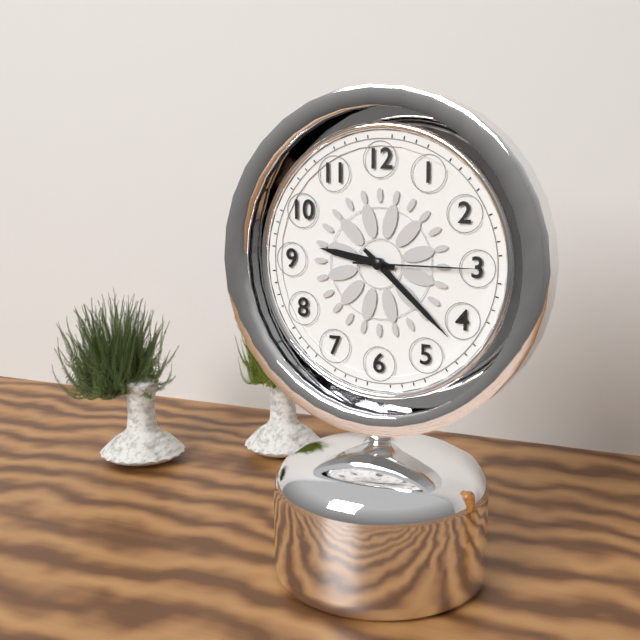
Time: **9:22:15**
